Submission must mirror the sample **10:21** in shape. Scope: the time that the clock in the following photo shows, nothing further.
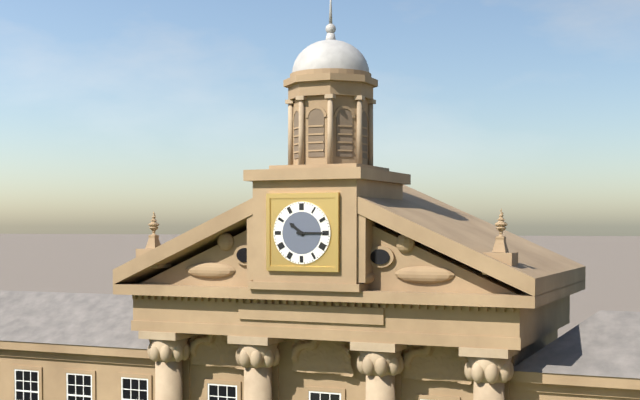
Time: **10:15**
